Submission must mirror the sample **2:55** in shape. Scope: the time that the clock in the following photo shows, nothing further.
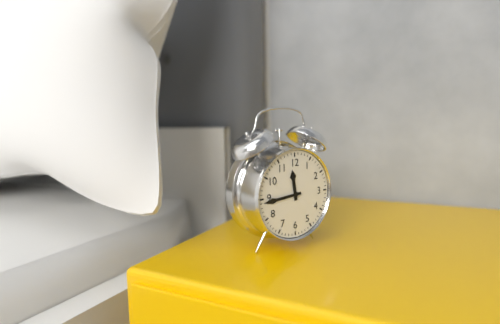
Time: **11:44**
